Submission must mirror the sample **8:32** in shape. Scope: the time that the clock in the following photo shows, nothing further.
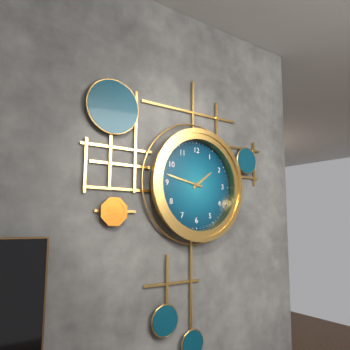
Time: **1:47**
